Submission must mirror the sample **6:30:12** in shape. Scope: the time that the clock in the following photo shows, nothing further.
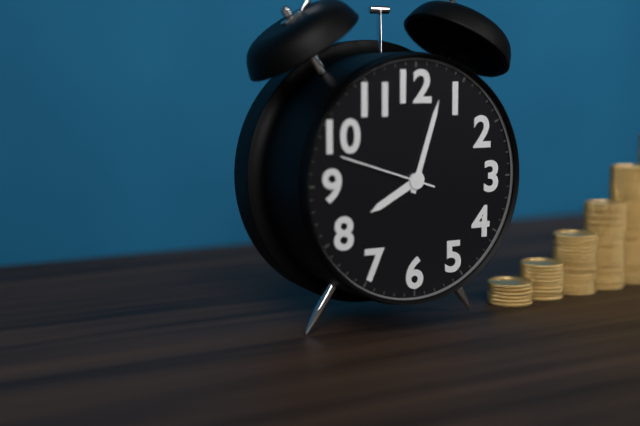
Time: **8:03:48**
